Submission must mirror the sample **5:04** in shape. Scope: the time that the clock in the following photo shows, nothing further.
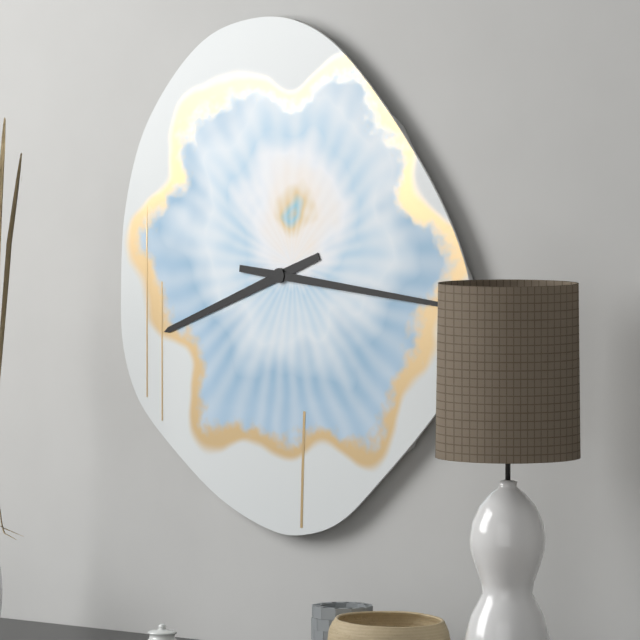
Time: **8:16**
